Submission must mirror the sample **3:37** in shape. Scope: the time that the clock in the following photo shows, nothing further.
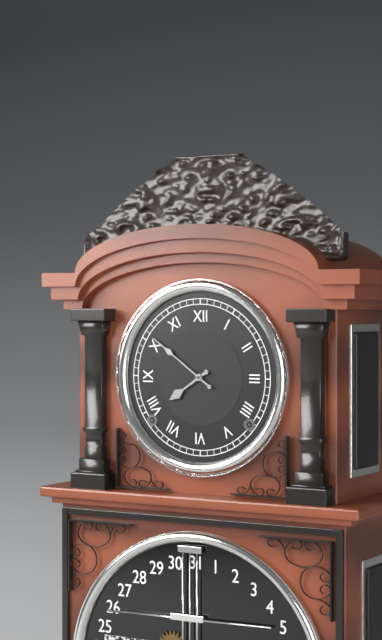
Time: **7:51**
